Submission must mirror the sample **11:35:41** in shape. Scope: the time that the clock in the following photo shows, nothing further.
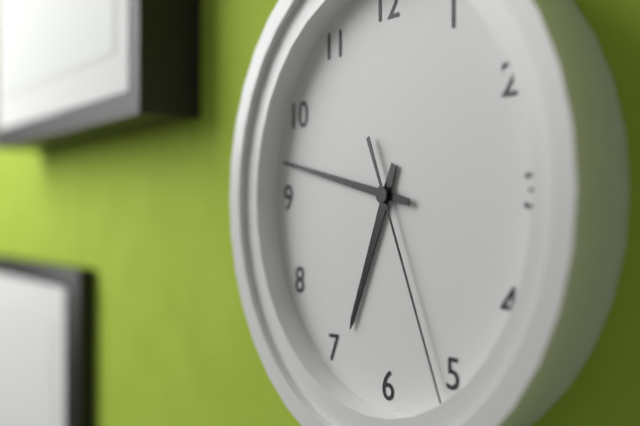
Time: **6:47:26**
